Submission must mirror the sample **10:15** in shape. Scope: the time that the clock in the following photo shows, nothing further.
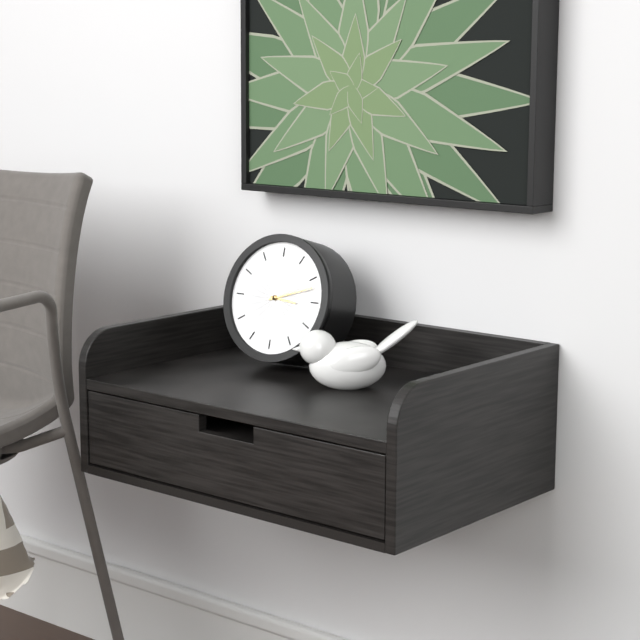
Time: **3:12**
